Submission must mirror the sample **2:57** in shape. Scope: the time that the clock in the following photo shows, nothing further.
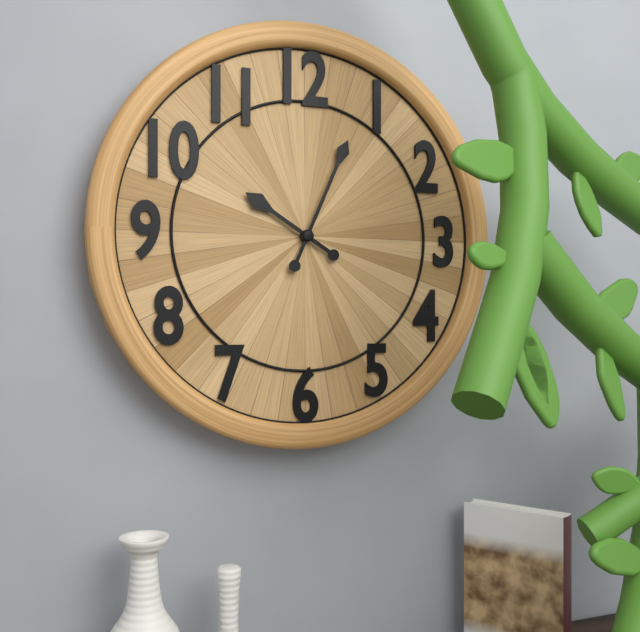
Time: **10:04**
